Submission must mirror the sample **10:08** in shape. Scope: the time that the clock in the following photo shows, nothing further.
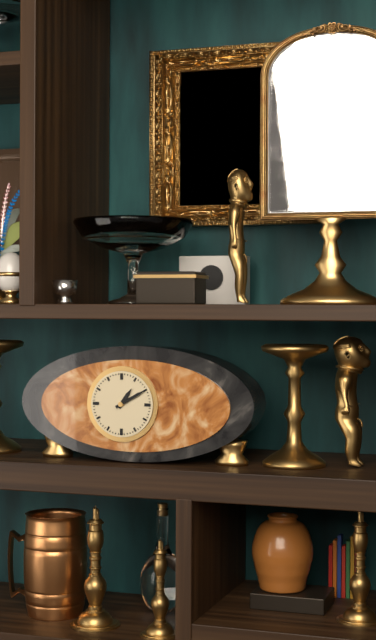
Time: **1:10**
